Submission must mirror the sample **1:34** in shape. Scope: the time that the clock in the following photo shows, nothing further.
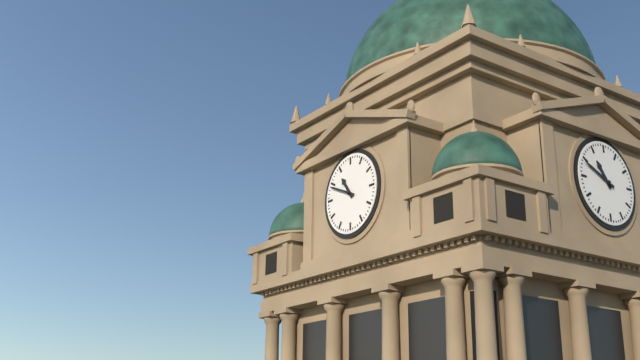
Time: **10:49**
